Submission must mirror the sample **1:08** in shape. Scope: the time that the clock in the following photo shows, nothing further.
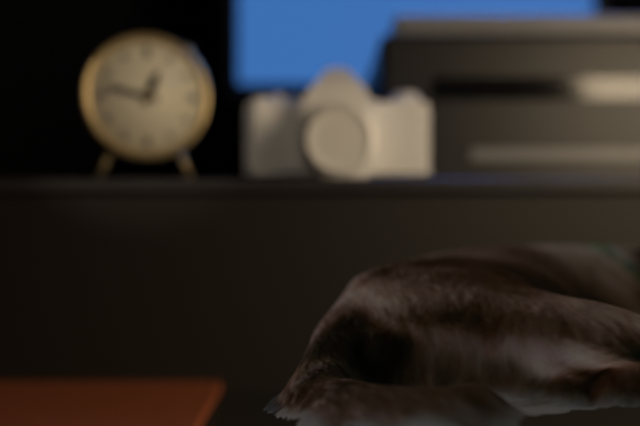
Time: **12:47**
